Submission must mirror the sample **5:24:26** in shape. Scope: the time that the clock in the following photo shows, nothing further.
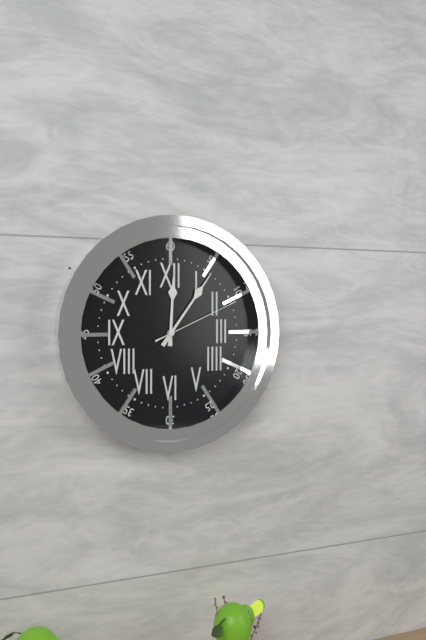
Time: **12:06:11**
